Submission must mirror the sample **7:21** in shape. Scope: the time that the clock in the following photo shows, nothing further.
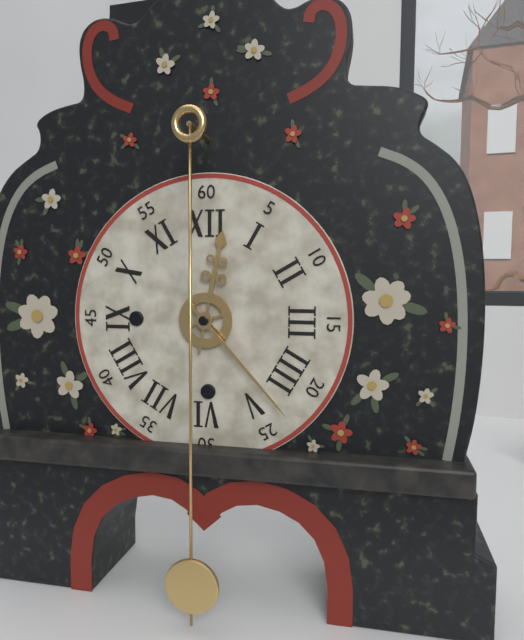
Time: **12:23**
